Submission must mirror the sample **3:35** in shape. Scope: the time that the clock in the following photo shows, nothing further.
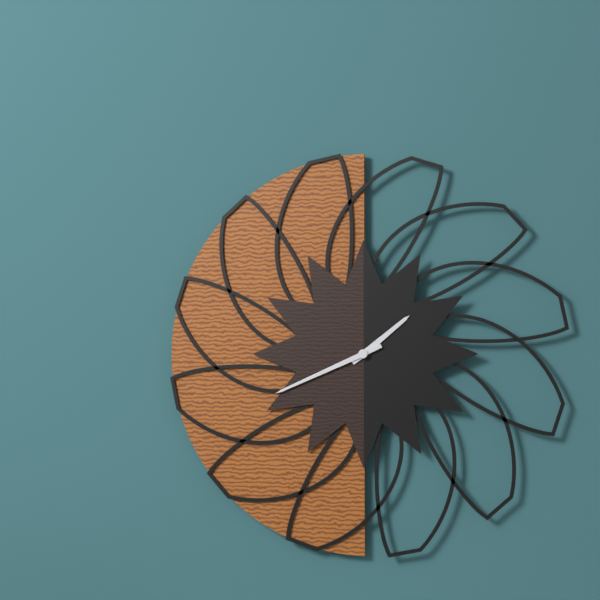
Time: **1:41**
